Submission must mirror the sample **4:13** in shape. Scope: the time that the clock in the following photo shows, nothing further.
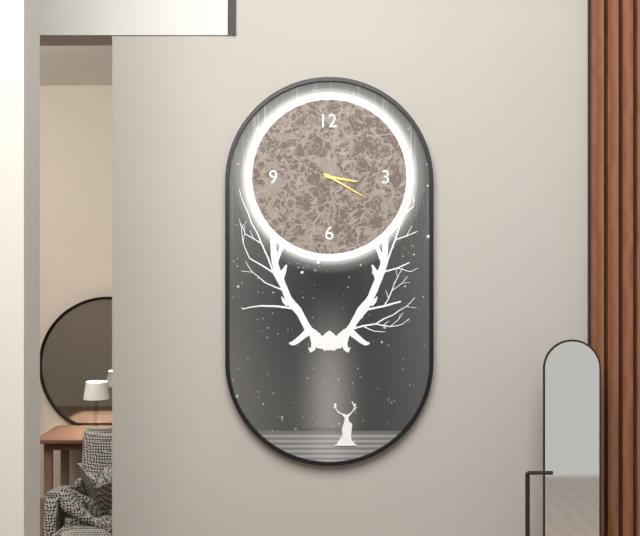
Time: **3:20**
